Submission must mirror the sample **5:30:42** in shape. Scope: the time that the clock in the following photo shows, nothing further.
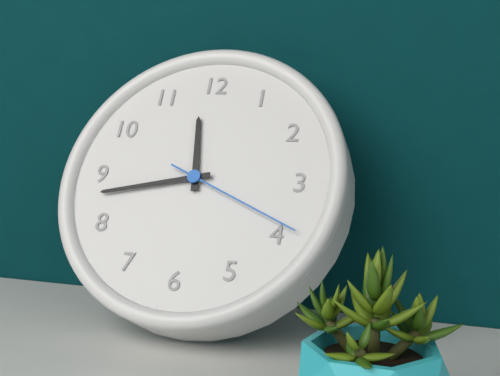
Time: **11:43:19**
